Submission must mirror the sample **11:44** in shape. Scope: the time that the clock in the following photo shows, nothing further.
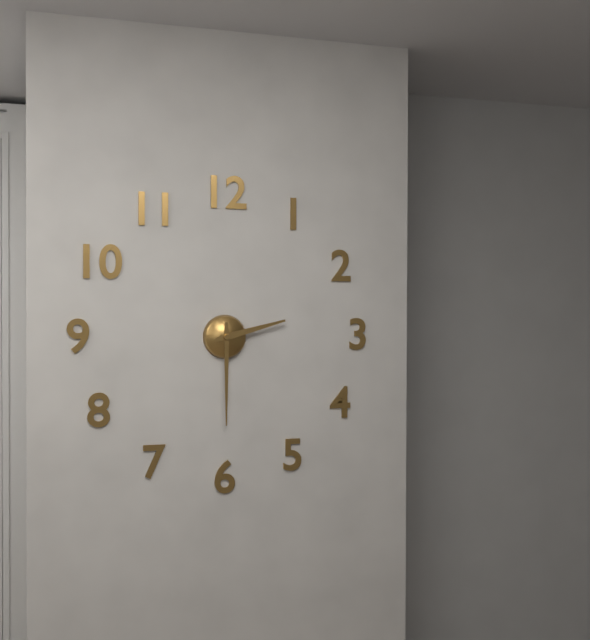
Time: **2:30**
